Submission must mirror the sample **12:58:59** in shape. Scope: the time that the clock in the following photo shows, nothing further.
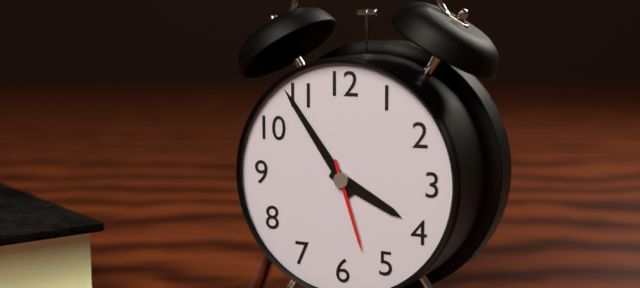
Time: **3:54:27**
